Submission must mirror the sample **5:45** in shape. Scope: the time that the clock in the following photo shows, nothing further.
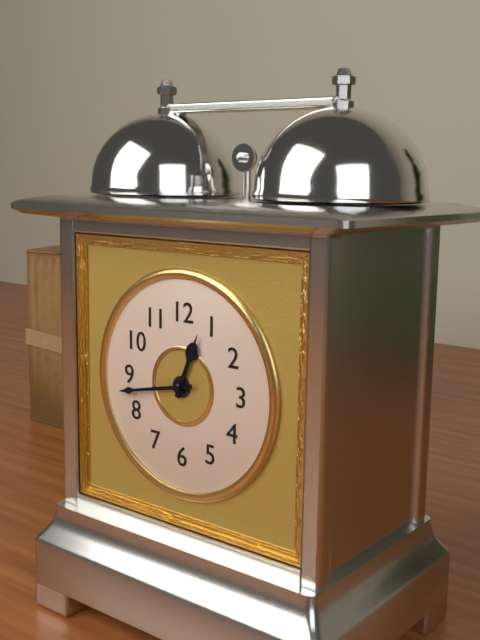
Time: **12:43**
